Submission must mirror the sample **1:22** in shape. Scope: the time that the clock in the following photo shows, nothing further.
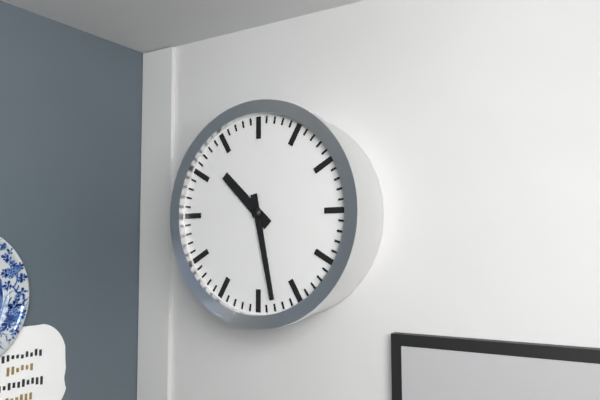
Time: **10:28**
